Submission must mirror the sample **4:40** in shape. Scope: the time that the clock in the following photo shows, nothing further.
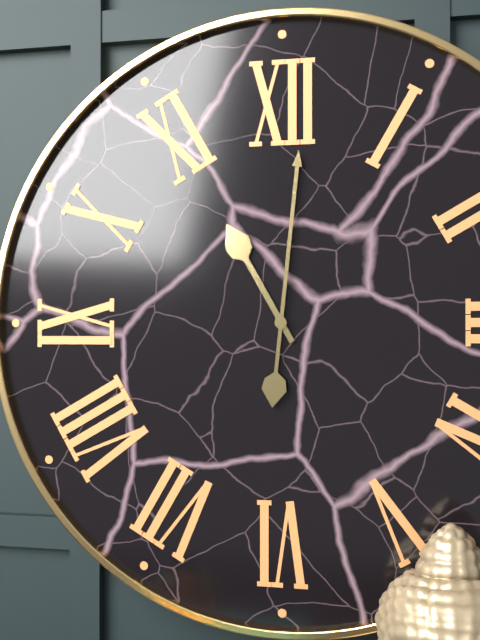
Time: **11:01**
